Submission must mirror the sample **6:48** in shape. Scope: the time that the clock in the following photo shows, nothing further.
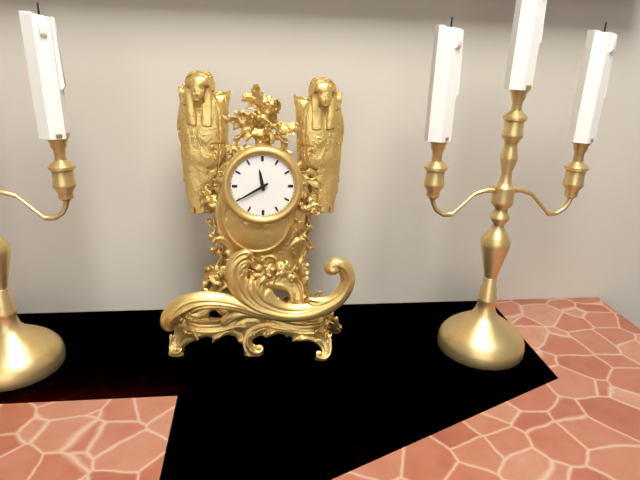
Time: **11:40**
